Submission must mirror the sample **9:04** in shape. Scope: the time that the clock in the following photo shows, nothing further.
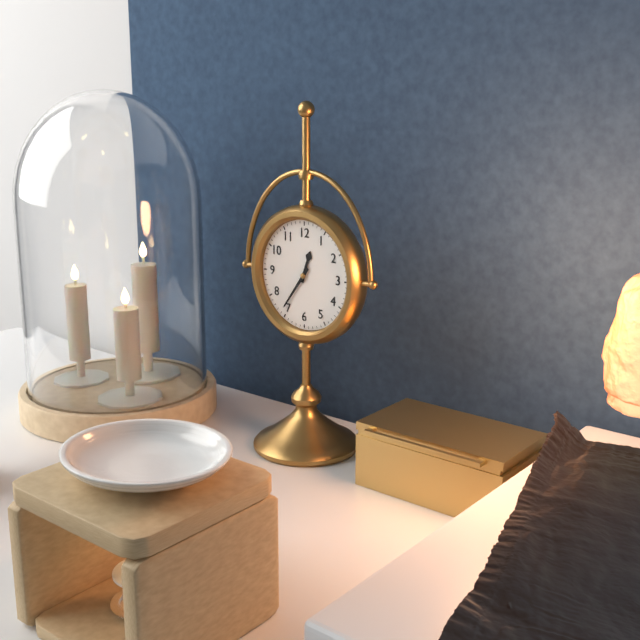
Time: **12:36**
